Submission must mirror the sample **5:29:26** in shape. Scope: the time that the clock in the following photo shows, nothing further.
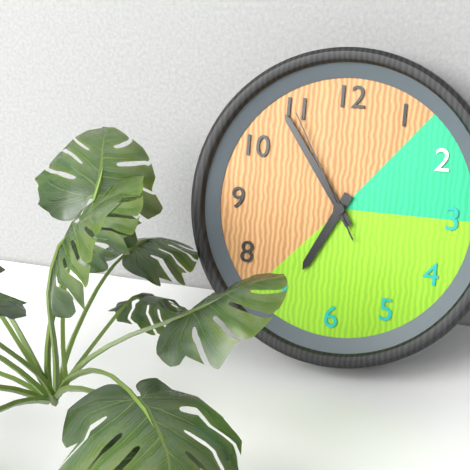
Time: **6:54:55**
